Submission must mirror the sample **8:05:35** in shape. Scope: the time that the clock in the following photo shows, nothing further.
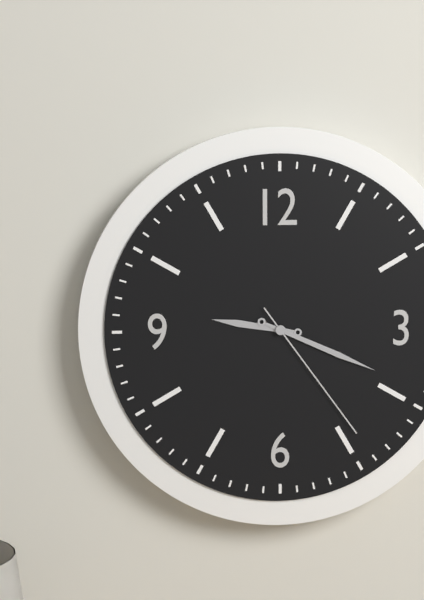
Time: **9:19:24**
